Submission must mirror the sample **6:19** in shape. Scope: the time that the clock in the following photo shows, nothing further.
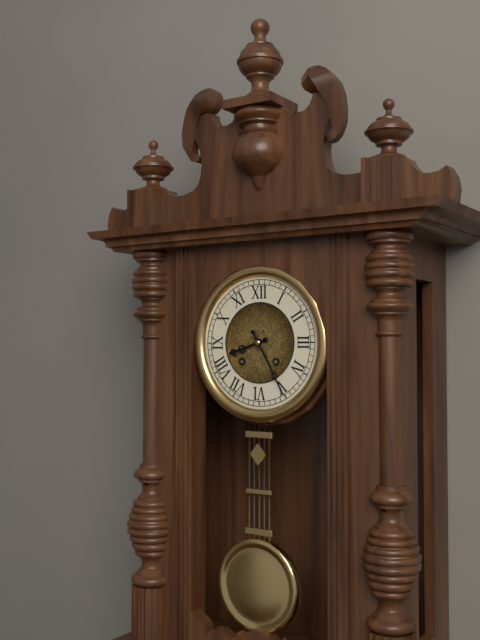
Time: **8:25**
